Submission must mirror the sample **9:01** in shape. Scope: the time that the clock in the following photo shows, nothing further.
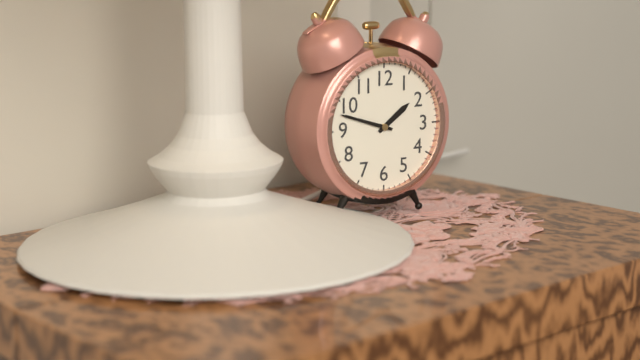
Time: **1:48**
